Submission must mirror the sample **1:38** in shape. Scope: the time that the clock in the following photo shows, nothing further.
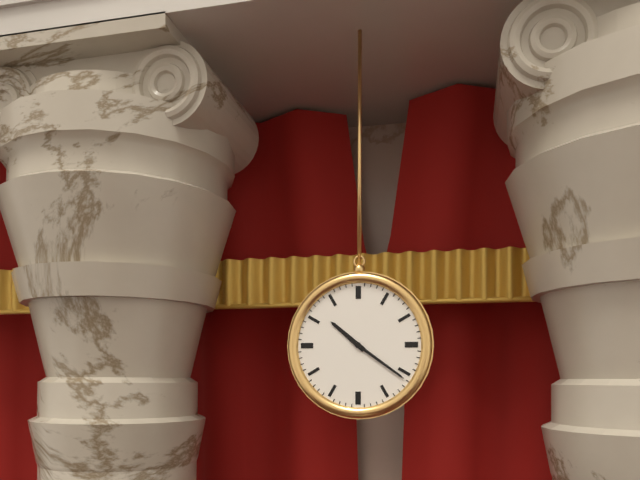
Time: **10:21**
